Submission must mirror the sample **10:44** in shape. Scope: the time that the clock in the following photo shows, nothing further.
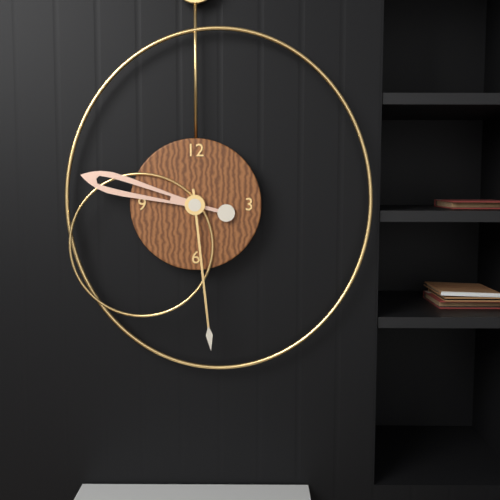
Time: **9:29**
